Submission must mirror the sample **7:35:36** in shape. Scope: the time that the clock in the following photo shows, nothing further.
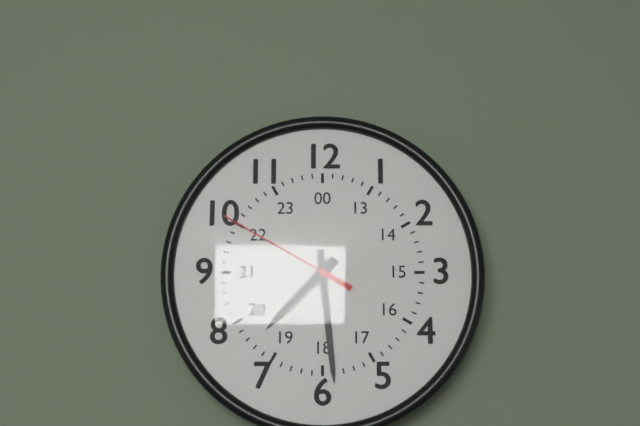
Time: **7:29:50**
